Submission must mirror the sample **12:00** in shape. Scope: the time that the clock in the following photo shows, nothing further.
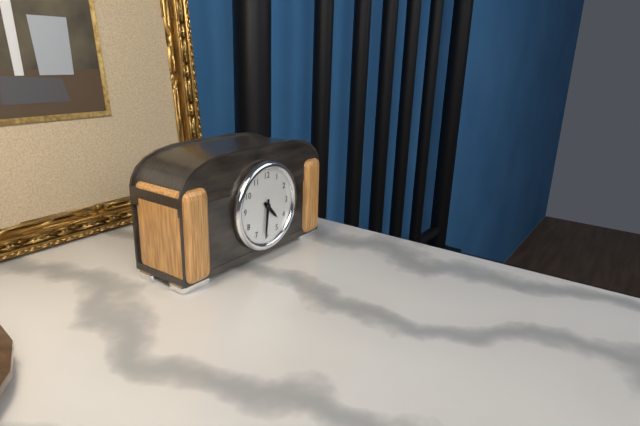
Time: **4:31**
